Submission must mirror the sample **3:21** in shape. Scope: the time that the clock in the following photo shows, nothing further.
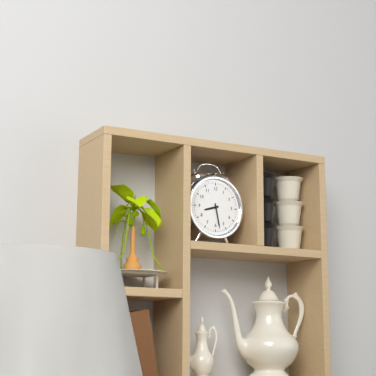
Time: **8:28**
